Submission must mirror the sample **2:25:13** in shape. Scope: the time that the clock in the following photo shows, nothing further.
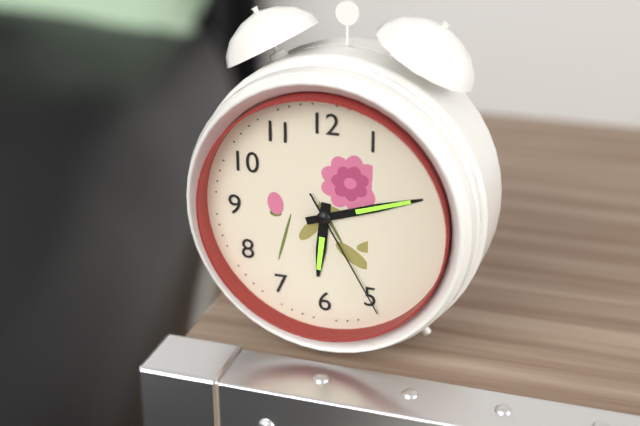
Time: **6:12:25**
